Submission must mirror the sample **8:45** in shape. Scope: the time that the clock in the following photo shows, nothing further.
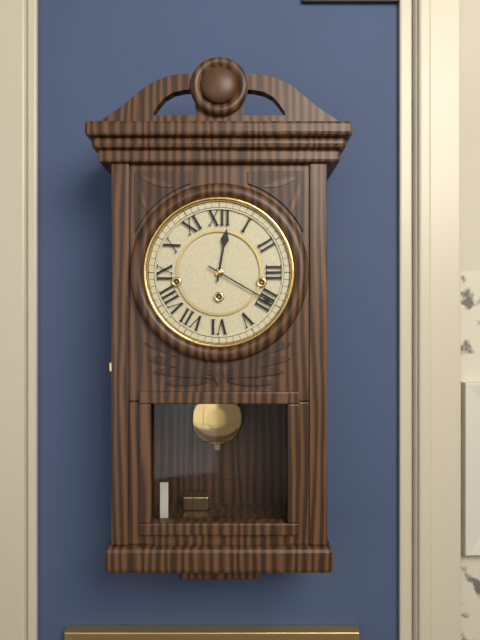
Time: **12:20**
